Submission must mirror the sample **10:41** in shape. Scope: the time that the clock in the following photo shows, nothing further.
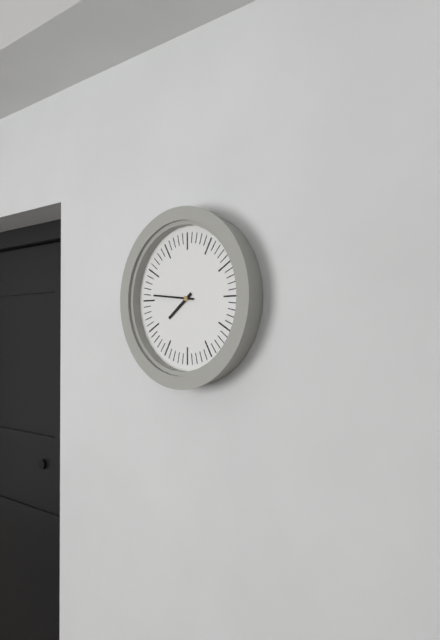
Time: **7:46**
